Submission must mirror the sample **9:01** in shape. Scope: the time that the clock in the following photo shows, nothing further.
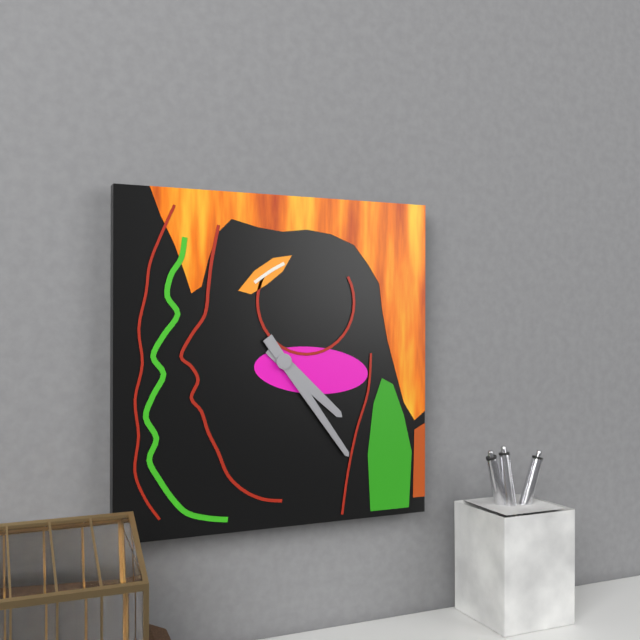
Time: **4:24**
